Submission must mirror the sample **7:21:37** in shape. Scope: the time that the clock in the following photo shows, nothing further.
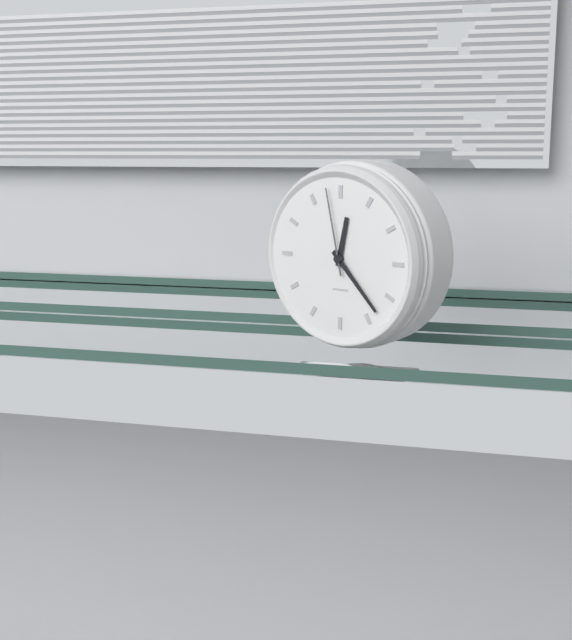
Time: **12:23:58**
